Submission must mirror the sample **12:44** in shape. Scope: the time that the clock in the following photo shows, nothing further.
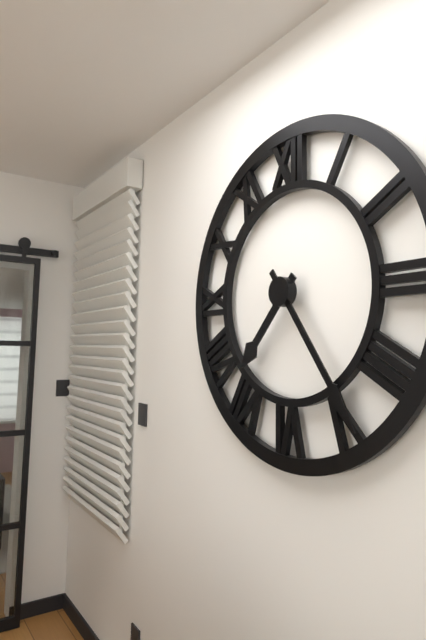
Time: **7:24**
